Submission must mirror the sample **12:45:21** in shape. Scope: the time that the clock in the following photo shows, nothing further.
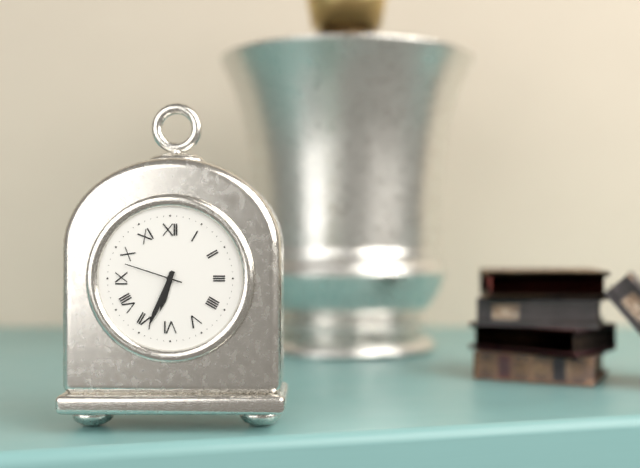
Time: **6:34:48**
